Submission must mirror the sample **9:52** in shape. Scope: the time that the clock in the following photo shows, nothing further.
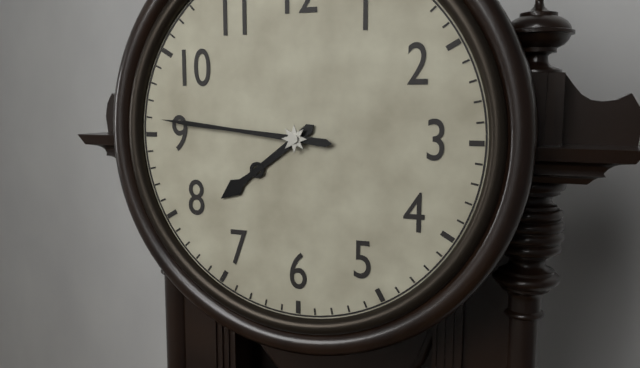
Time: **7:46**
